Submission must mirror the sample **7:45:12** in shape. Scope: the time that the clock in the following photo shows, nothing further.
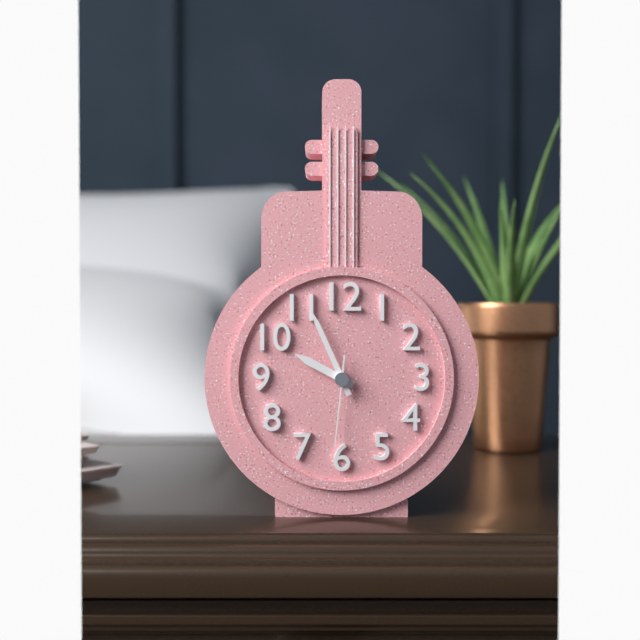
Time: **9:56:31**
